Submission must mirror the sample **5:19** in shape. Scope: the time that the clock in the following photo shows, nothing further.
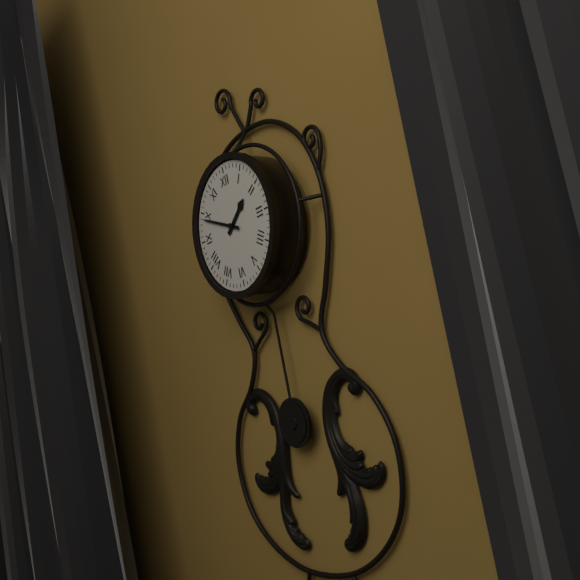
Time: **1:49**
